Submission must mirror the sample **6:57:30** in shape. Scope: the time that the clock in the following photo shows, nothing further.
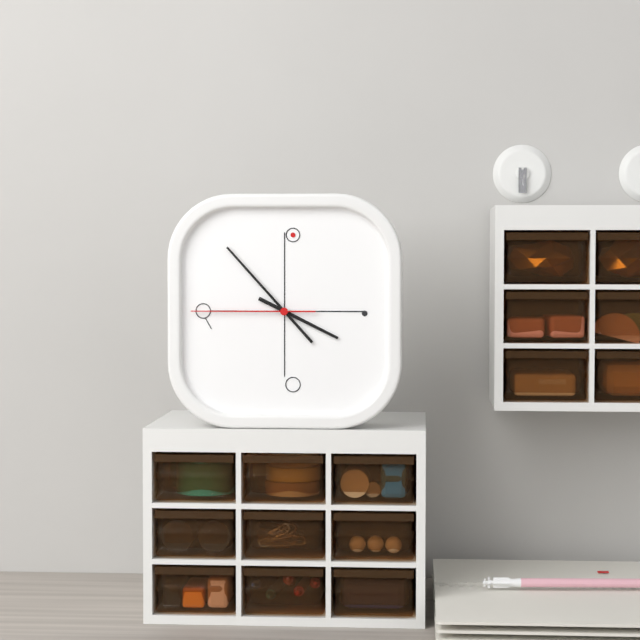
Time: **3:53:45**
